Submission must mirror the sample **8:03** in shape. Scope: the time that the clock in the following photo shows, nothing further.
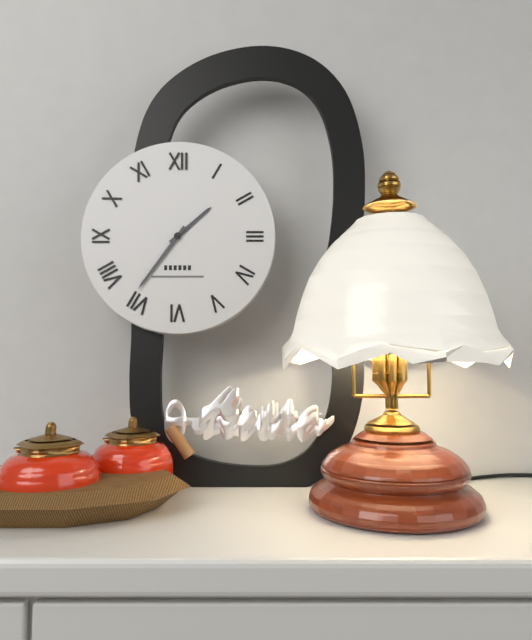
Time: **1:36**
